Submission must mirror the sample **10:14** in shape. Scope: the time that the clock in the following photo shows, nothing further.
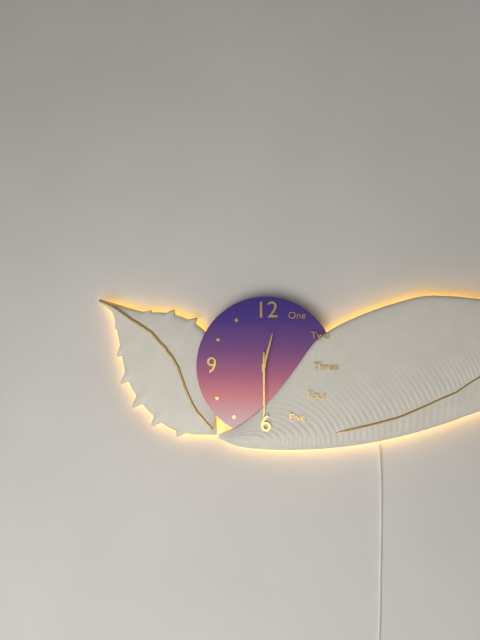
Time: **12:30**
